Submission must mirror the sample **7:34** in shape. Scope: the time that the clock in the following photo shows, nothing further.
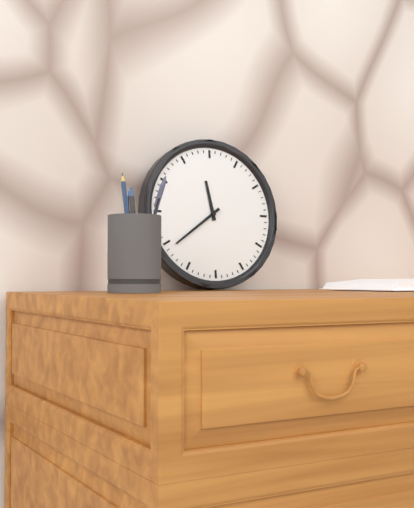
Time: **11:39**
